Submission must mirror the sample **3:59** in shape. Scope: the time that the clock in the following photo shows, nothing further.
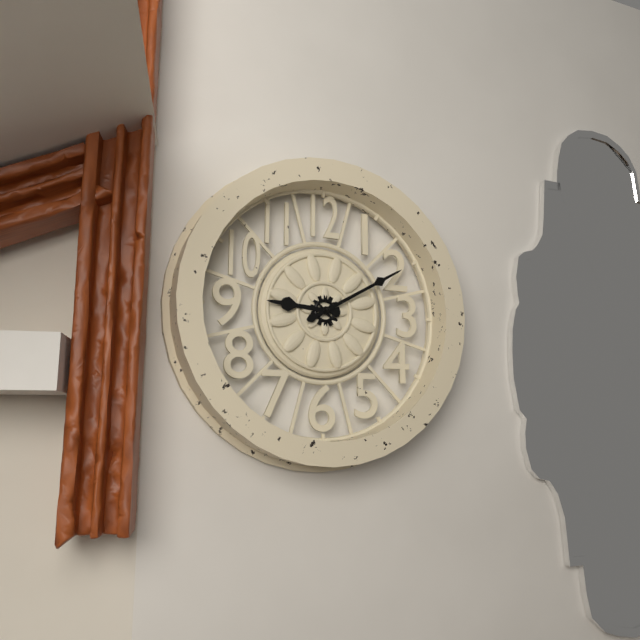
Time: **9:10**
